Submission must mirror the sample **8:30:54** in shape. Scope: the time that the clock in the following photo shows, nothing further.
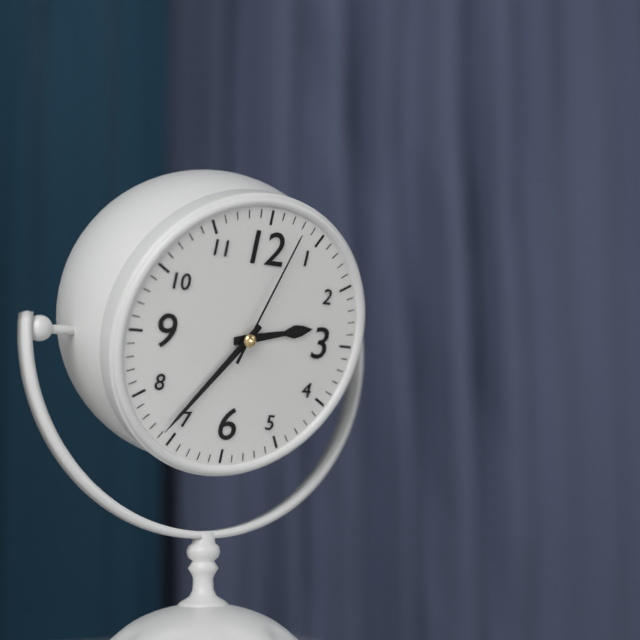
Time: **2:36:03**
